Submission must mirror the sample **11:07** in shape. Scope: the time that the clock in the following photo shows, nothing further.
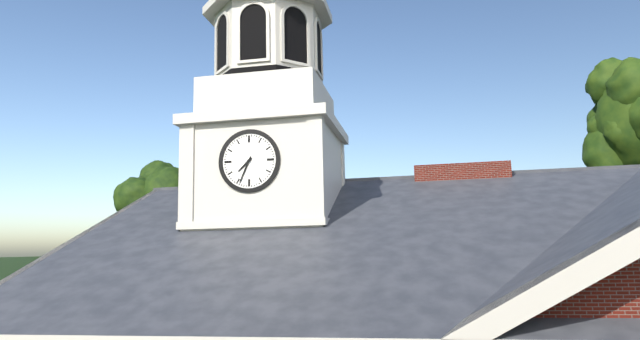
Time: **7:34**
